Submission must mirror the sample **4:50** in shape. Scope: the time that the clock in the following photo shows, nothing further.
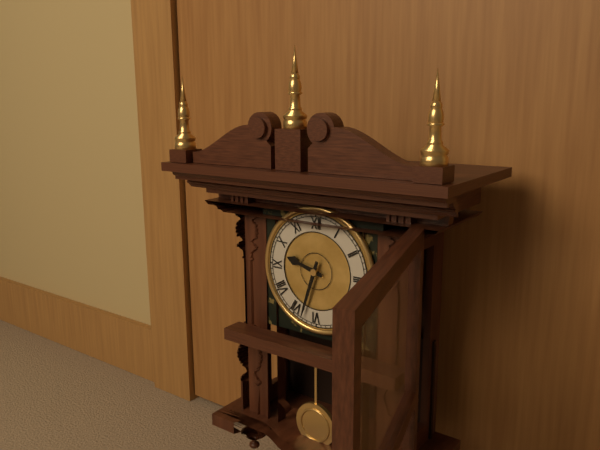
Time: **9:33**
